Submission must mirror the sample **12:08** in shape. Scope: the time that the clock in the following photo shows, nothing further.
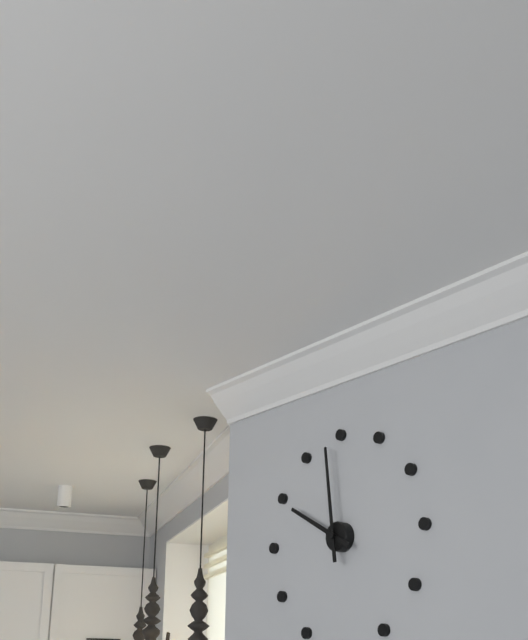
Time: **9:59**
